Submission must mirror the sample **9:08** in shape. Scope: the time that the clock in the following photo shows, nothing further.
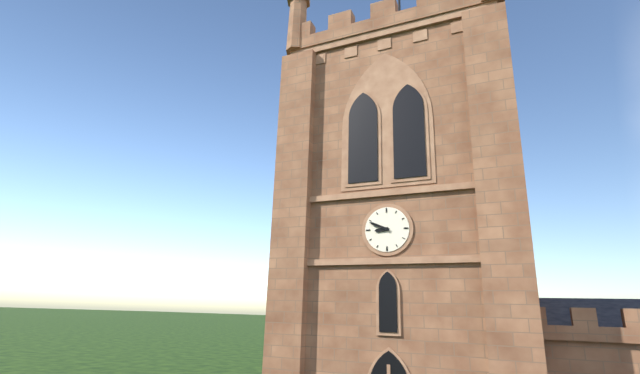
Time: **8:49**
